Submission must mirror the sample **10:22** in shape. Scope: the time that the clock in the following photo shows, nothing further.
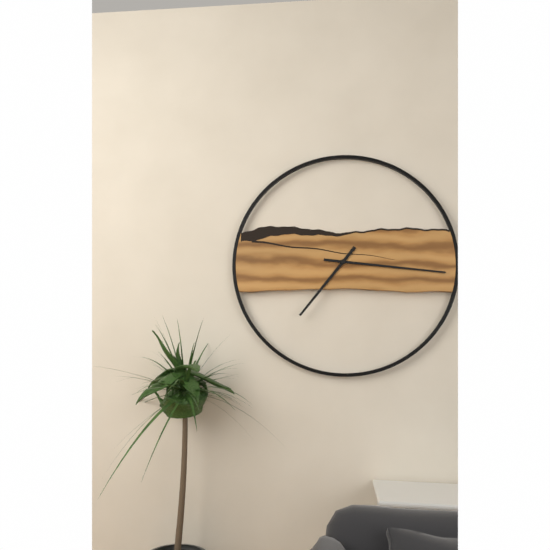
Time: **7:16**
